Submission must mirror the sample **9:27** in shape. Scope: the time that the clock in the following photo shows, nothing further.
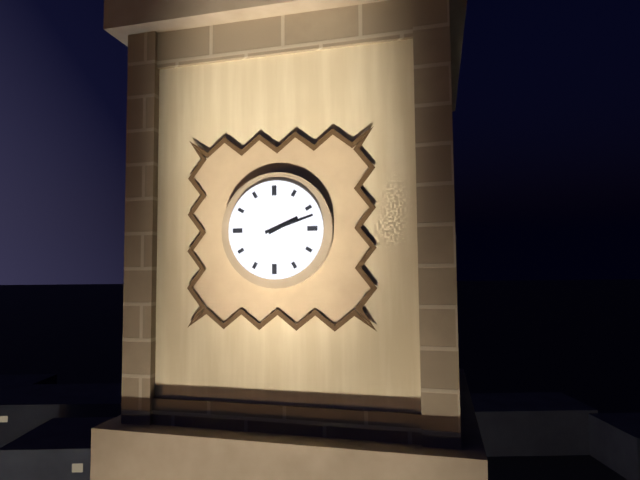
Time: **2:12**
